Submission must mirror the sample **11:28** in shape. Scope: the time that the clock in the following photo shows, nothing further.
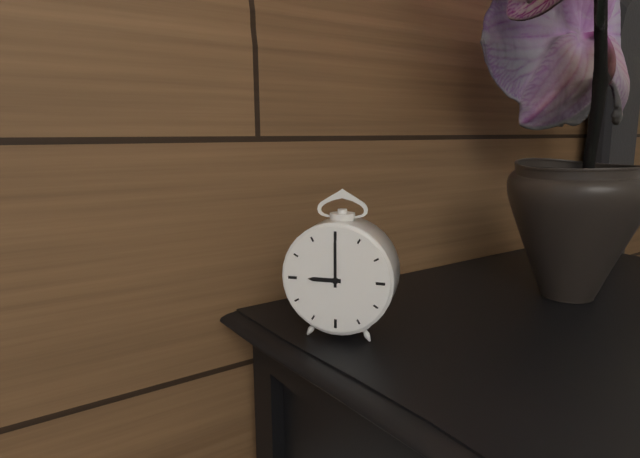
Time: **9:00**
